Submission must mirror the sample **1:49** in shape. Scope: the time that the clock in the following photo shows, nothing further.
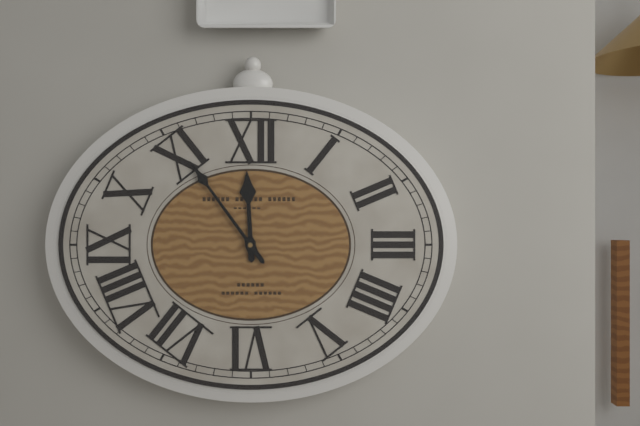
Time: **11:54**
